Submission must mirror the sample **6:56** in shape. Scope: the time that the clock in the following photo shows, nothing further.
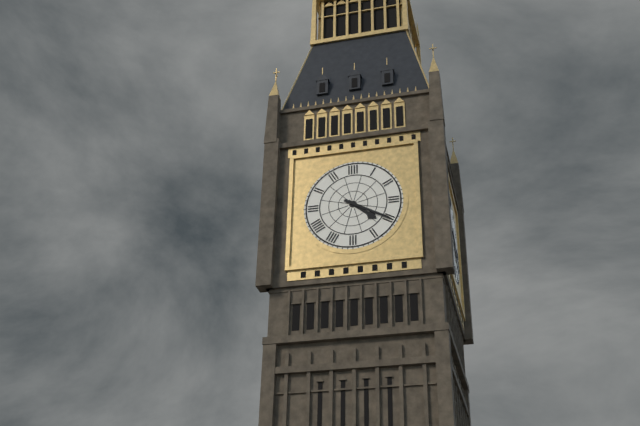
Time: **4:20**
